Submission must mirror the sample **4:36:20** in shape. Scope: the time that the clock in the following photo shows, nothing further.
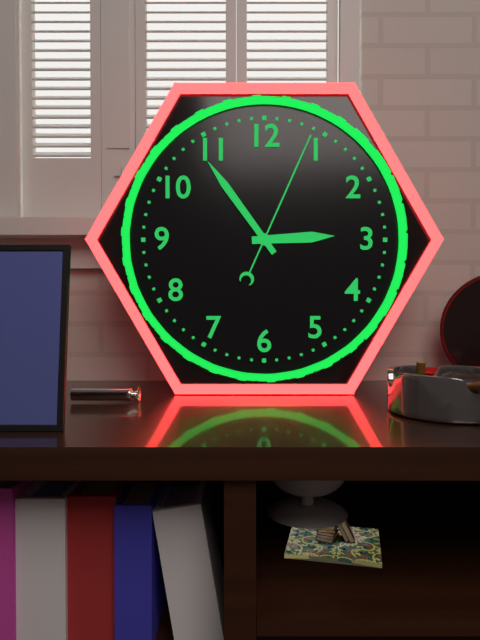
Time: **2:54:04**
